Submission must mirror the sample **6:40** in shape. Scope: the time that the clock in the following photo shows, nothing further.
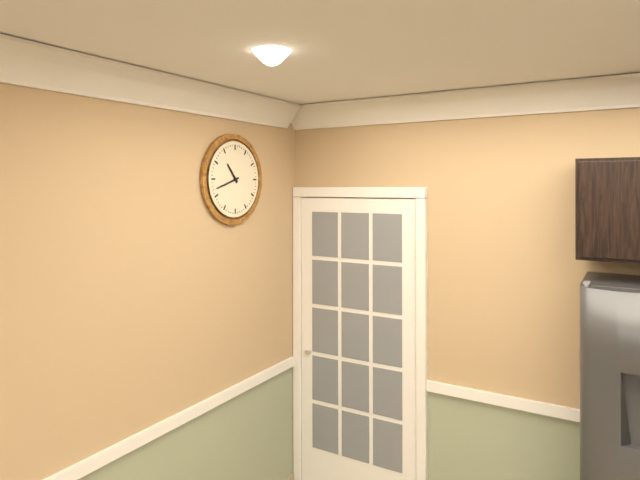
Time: **10:42**
